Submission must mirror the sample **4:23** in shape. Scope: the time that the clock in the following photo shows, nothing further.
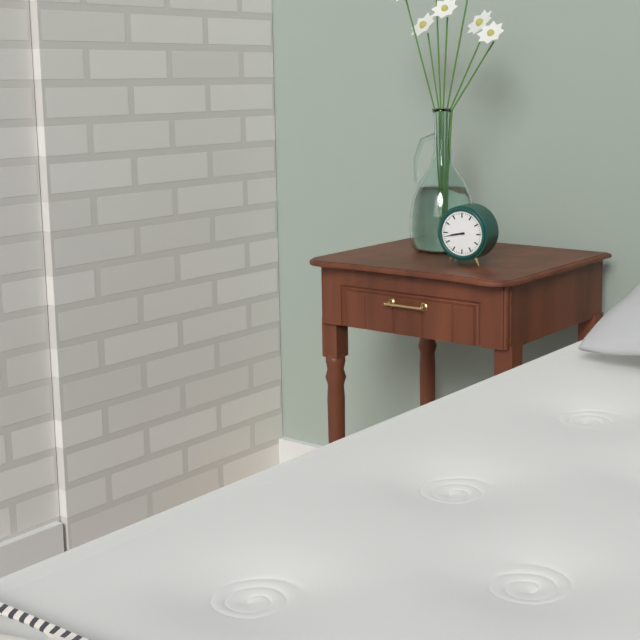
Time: **8:43**
